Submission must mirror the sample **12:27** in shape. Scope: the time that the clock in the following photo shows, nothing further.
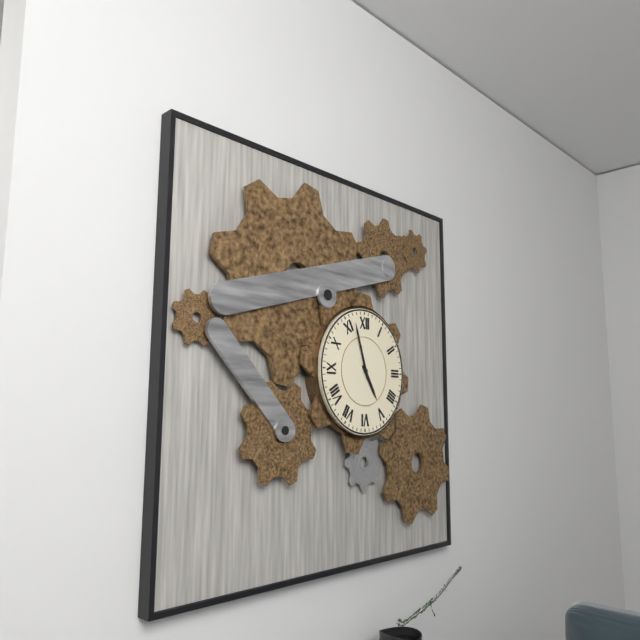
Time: **4:57**
